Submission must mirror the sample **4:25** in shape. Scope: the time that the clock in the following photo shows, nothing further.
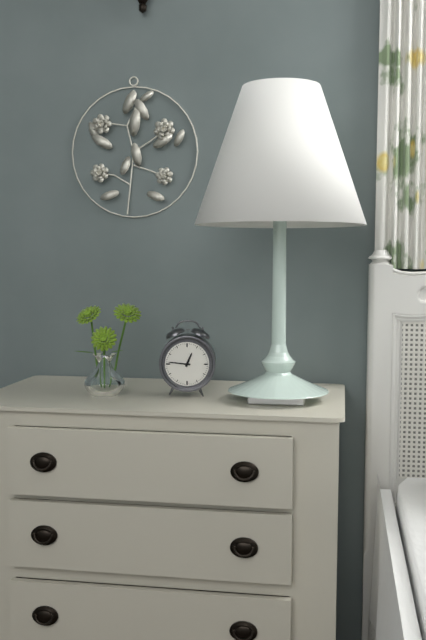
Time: **12:46**
